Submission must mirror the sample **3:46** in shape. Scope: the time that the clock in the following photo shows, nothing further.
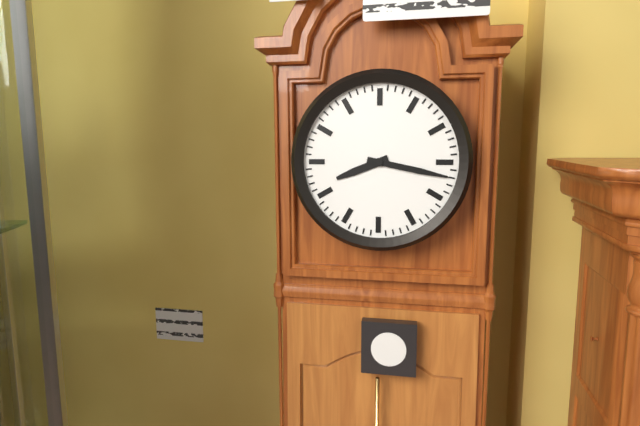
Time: **8:17**
